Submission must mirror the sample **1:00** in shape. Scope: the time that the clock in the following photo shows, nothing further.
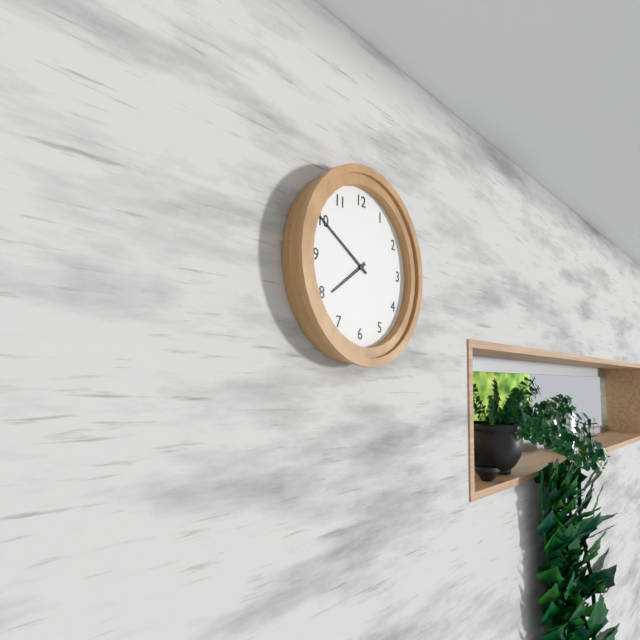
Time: **7:50**
